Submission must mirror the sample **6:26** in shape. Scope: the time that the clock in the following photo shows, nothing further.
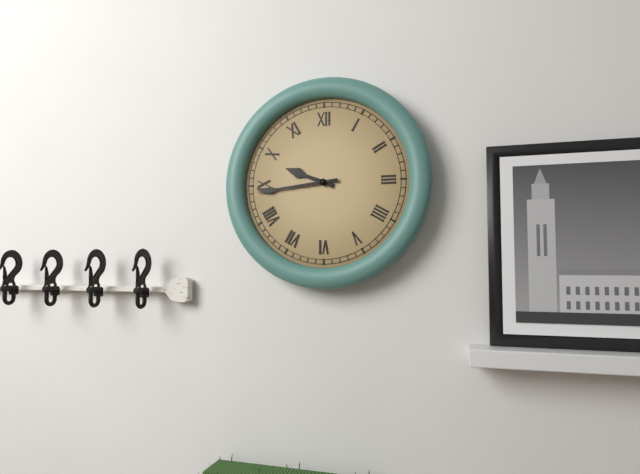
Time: **9:44**
